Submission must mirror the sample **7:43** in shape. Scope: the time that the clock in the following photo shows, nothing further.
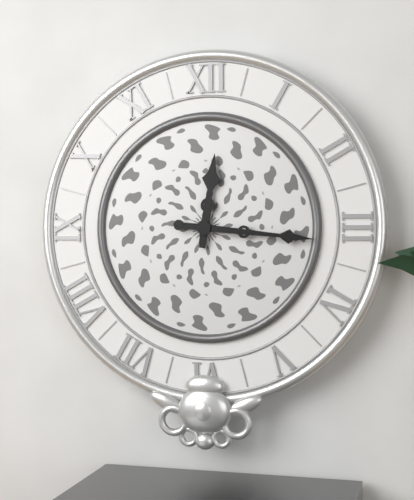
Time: **12:16**
